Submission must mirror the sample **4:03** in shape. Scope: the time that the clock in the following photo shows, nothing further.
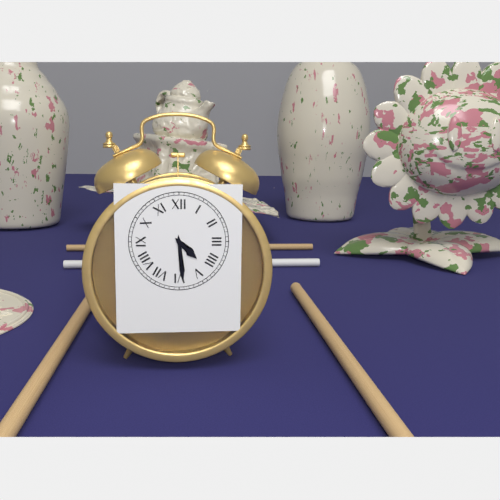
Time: **4:29**
